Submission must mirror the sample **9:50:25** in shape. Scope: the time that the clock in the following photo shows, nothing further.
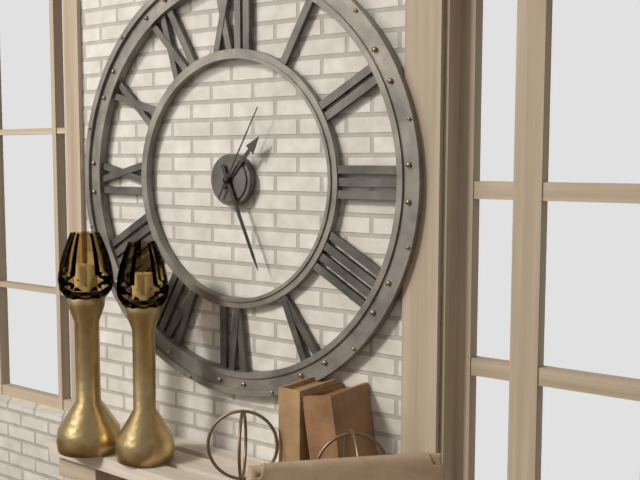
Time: **1:26:05**
